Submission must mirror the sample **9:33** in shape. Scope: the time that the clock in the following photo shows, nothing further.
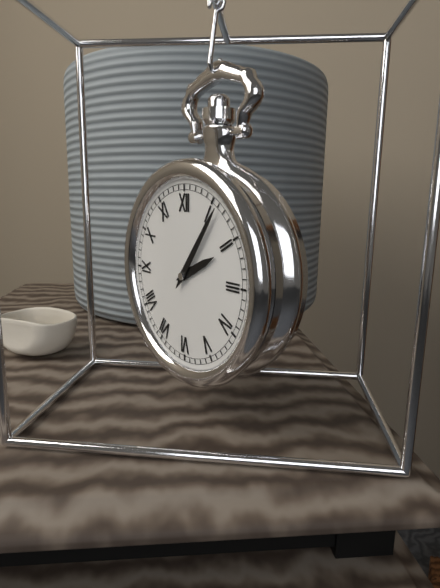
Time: **2:06**
